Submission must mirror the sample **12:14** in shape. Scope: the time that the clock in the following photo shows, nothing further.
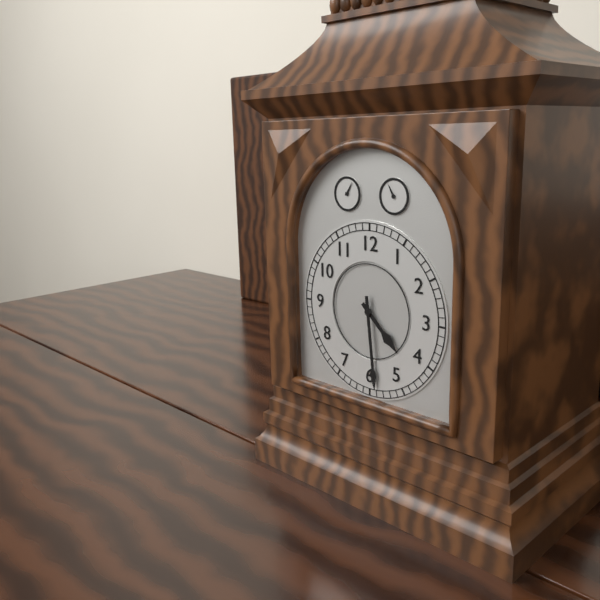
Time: **4:29**
